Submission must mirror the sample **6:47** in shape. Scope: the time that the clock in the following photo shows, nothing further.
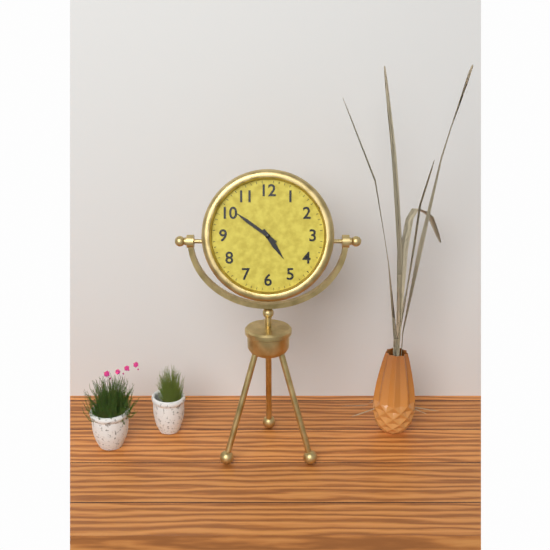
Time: **4:51**
